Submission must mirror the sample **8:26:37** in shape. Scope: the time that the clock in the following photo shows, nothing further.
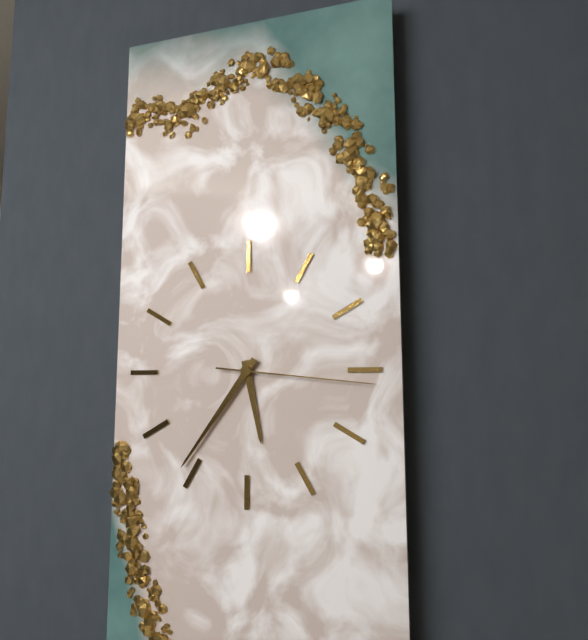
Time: **5:36:16**
